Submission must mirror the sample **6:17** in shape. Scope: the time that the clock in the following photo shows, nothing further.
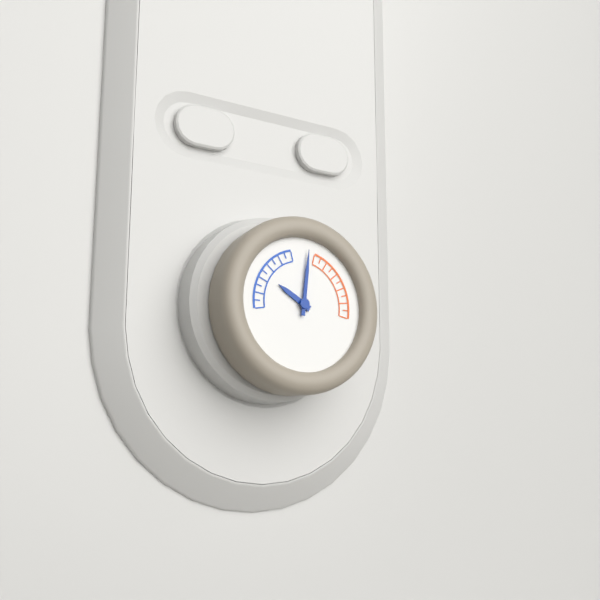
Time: **10:01**
